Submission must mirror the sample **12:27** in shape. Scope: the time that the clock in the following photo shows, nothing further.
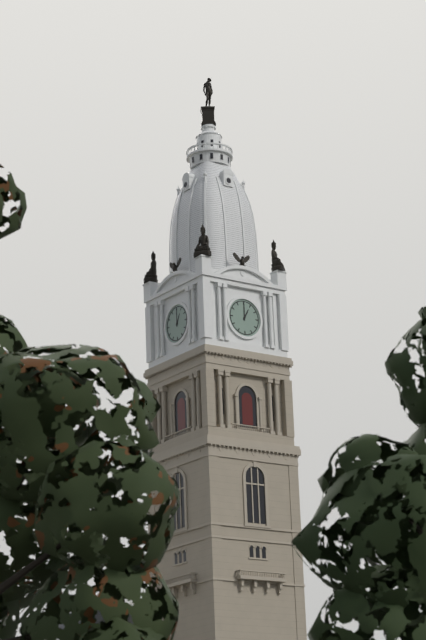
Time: **1:00**
